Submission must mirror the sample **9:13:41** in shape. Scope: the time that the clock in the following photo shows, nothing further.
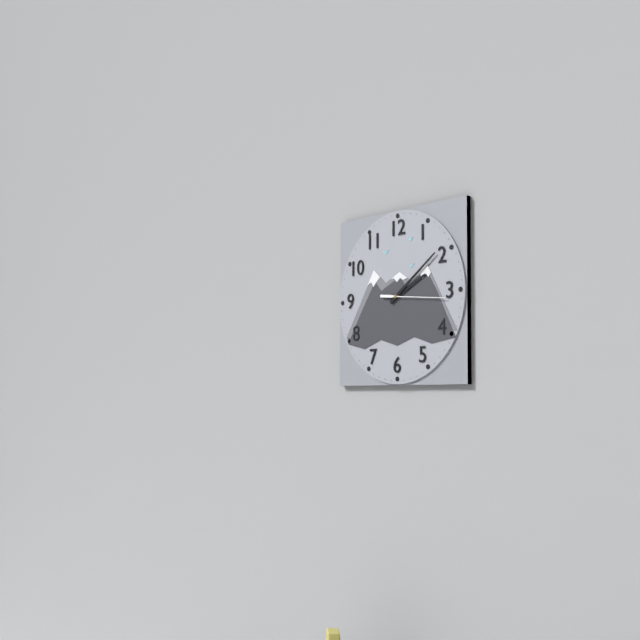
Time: **2:09:16**
